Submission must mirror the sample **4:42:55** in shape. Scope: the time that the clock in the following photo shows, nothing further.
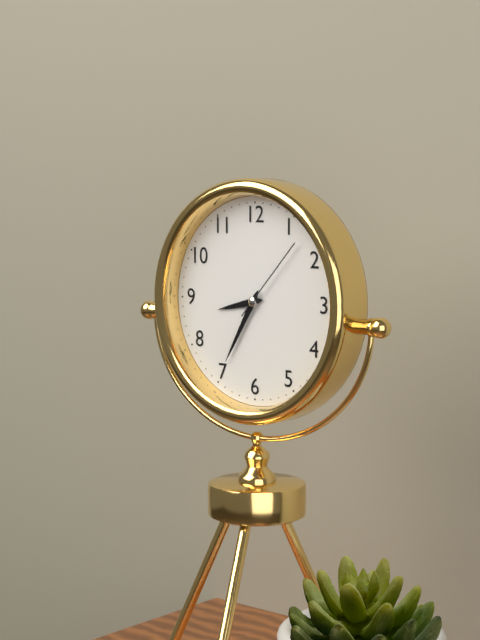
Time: **8:35:07**
